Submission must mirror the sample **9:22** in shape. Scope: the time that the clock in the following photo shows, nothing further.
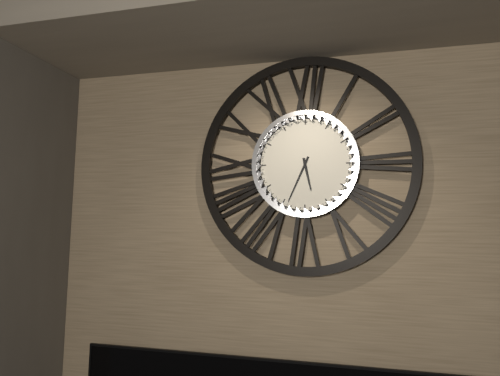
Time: **5:34**
